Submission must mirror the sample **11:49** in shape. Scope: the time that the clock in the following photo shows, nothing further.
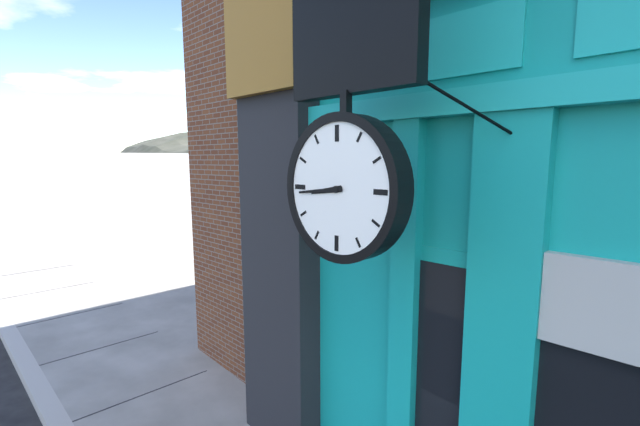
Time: **8:44**
